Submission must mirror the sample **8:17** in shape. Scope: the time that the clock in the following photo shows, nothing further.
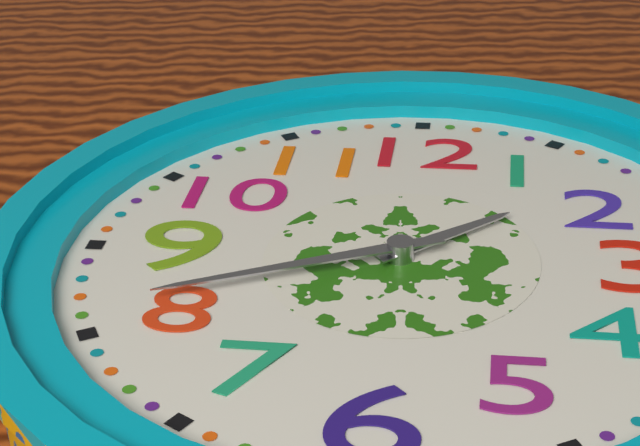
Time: **1:41**
